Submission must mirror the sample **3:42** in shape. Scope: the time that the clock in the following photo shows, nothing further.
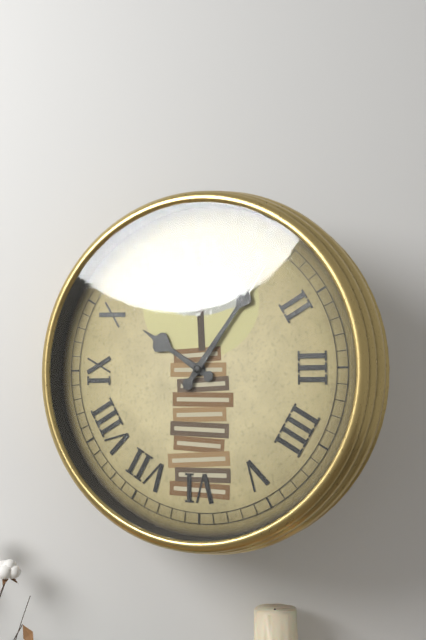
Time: **10:06**
